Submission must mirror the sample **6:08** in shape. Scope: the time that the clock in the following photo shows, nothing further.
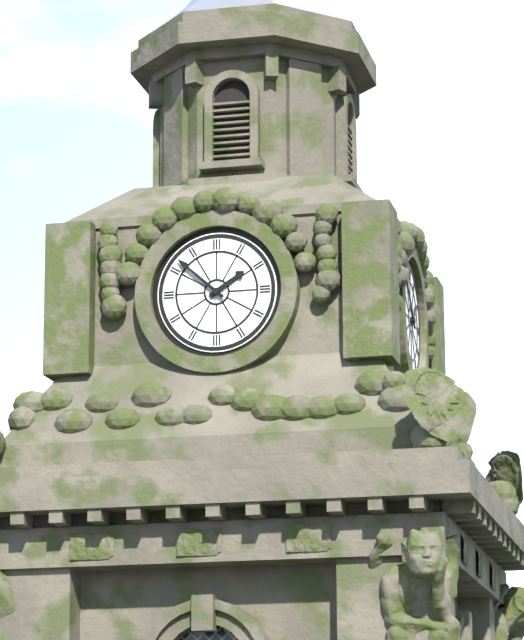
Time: **1:52**
